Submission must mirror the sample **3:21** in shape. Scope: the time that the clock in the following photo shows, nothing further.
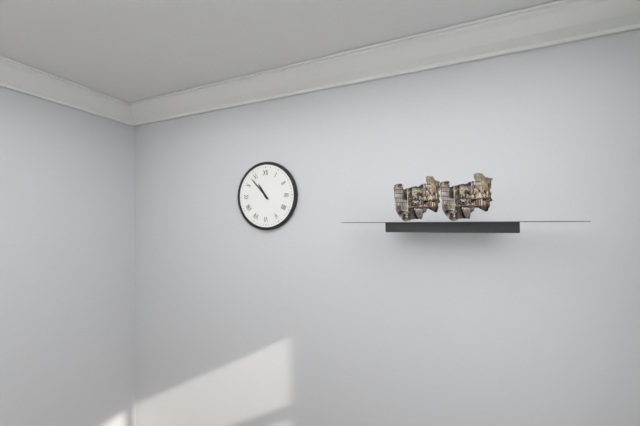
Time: **10:53**
